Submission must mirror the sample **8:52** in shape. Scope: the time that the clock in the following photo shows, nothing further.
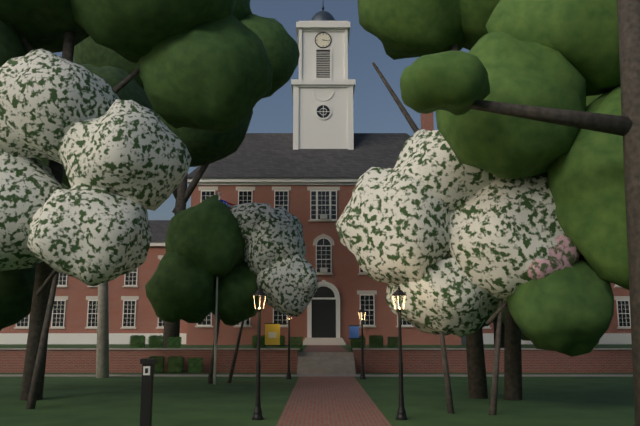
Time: **3:17**
